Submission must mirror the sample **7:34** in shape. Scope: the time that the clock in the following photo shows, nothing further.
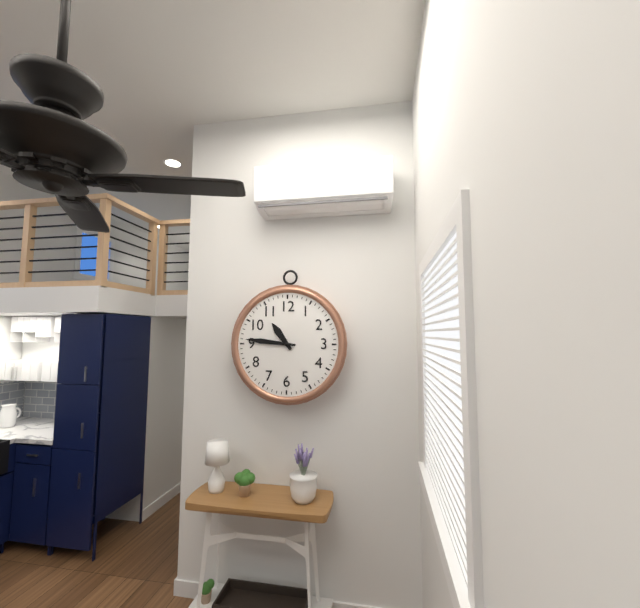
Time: **10:46**
